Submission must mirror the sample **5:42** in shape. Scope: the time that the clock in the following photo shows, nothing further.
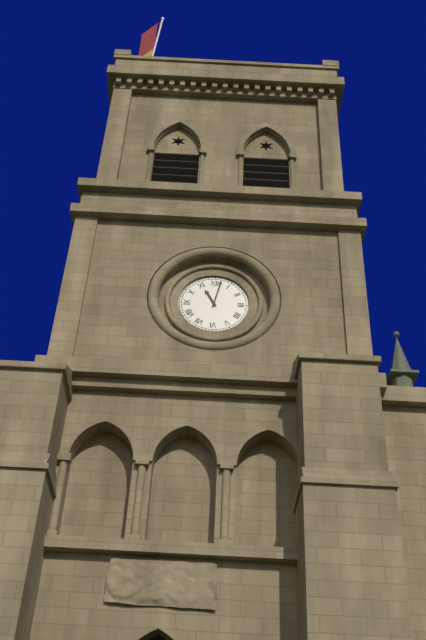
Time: **11:02**
